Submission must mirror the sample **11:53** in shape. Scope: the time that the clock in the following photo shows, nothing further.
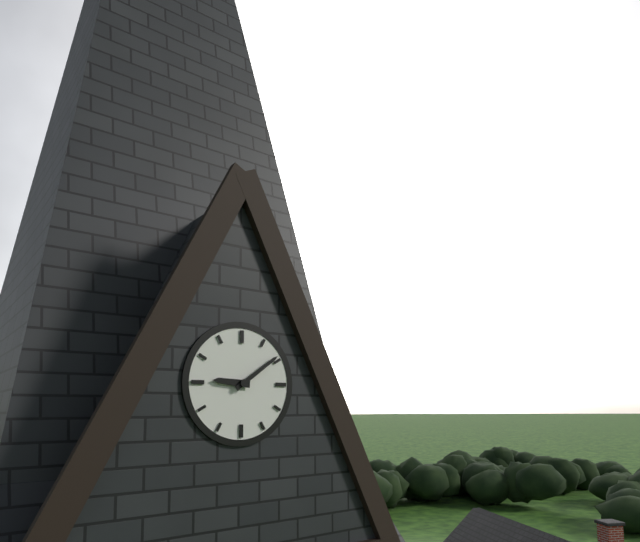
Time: **9:09**
